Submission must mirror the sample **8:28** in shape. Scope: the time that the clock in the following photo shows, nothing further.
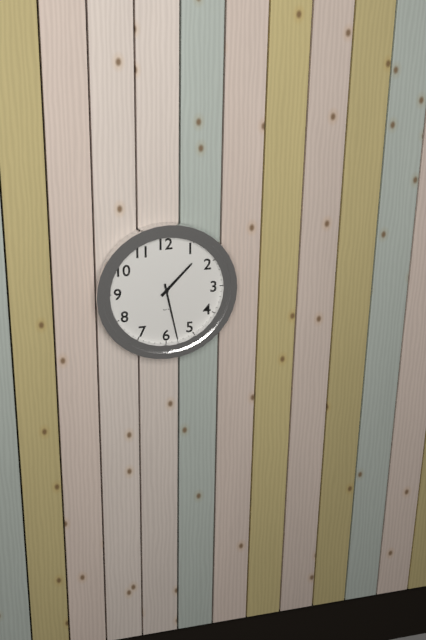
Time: **1:28**
